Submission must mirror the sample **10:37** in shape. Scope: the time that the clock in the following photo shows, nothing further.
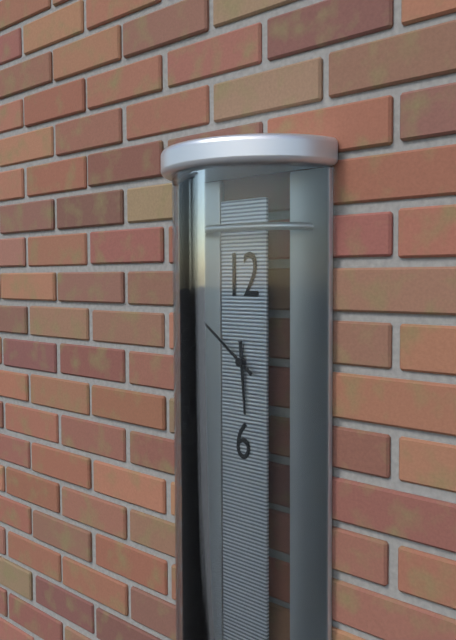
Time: **5:51**
